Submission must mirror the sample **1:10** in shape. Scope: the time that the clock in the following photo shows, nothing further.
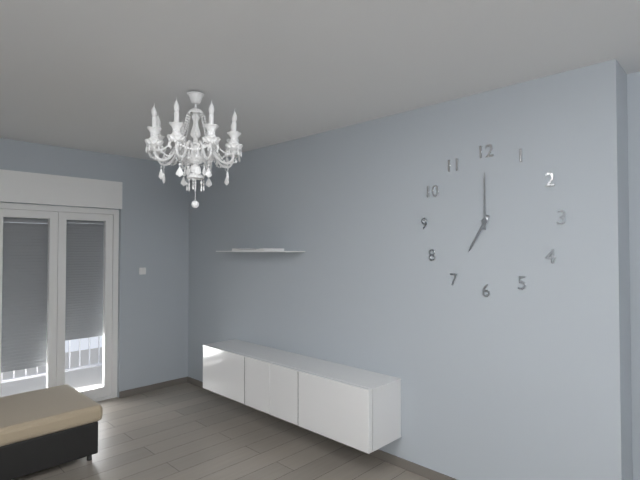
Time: **7:00**
